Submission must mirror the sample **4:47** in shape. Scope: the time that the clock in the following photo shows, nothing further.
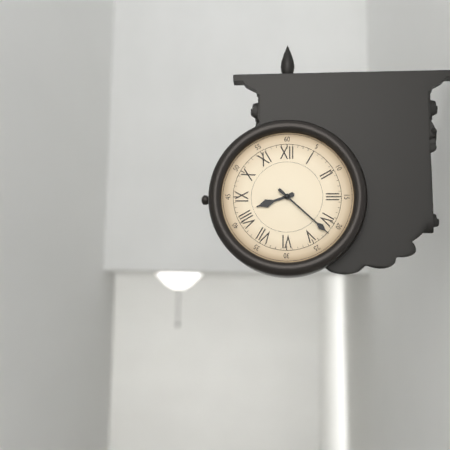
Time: **8:22**
